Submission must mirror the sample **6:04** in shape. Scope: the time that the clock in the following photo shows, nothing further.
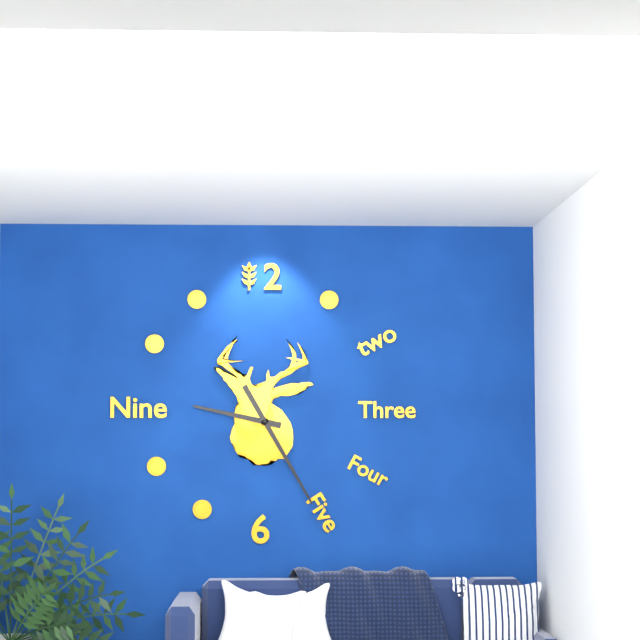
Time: **9:25**
